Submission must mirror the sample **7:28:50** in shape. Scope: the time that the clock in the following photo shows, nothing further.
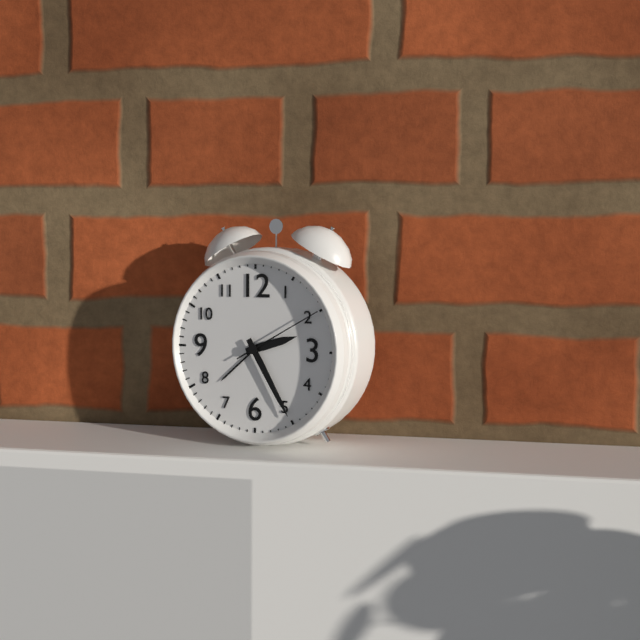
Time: **2:25:10**
